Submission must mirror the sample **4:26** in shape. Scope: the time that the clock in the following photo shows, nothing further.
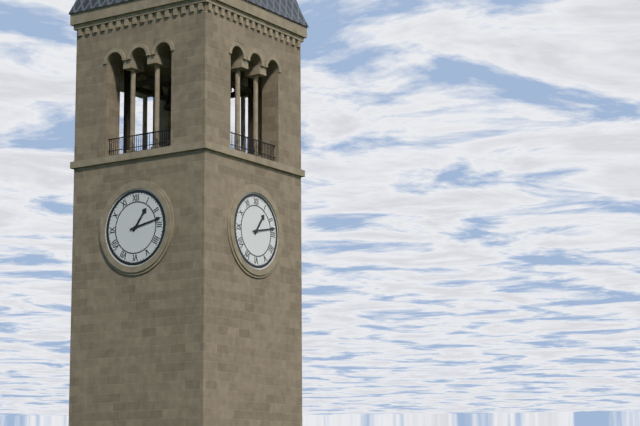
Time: **1:13**
